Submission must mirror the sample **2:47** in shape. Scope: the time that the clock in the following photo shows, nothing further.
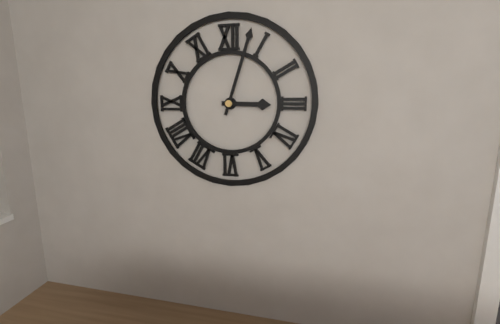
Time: **3:03**
